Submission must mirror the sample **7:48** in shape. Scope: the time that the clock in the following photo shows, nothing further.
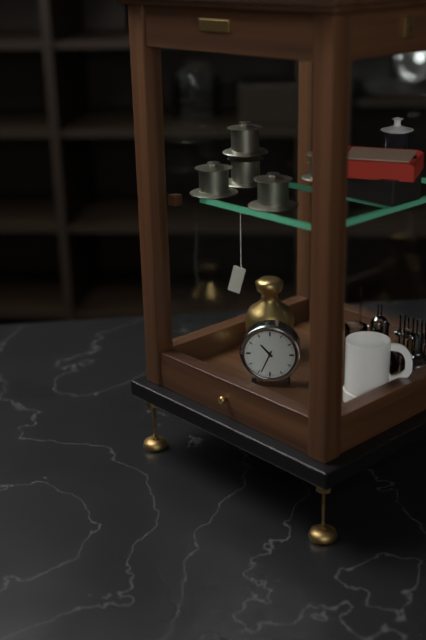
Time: **10:34**
